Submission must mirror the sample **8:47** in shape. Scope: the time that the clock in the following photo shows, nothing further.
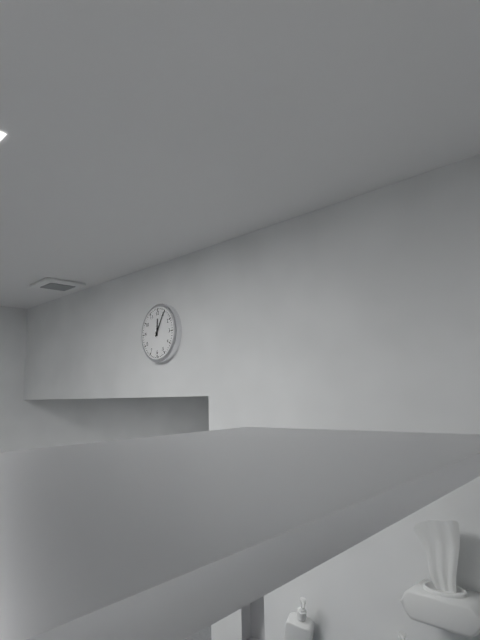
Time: **12:05**
